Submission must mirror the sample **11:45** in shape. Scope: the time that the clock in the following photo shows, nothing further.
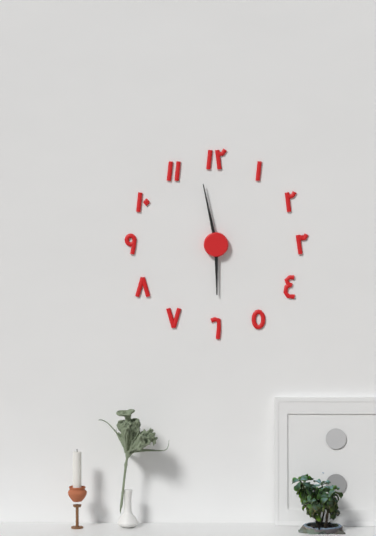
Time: **5:58**
